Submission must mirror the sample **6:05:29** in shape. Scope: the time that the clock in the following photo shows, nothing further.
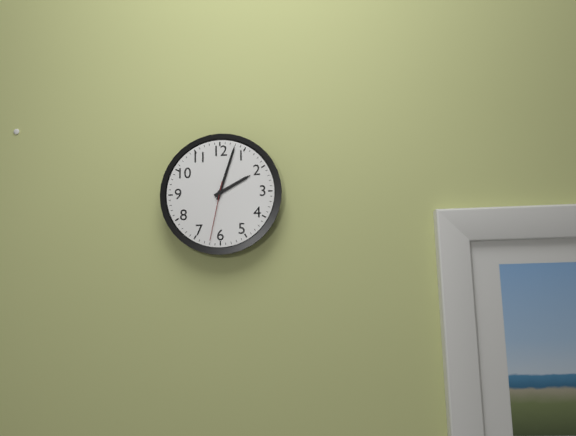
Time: **2:03:32**
